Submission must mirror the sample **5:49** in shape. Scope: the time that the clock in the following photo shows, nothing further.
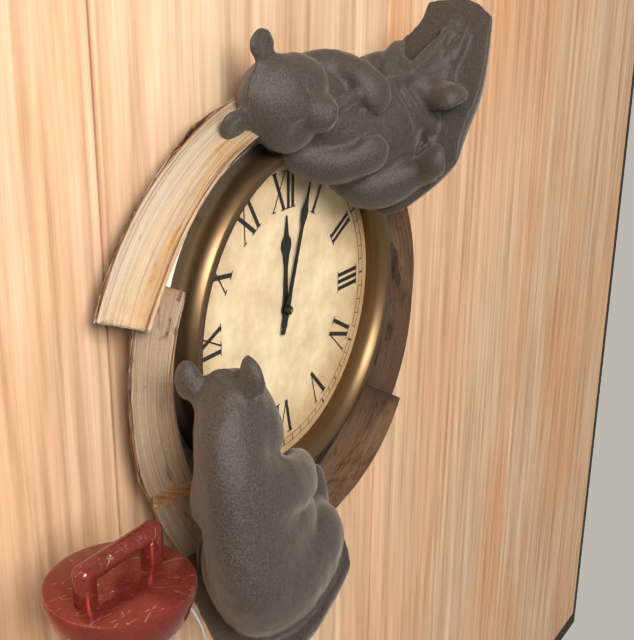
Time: **12:03**
